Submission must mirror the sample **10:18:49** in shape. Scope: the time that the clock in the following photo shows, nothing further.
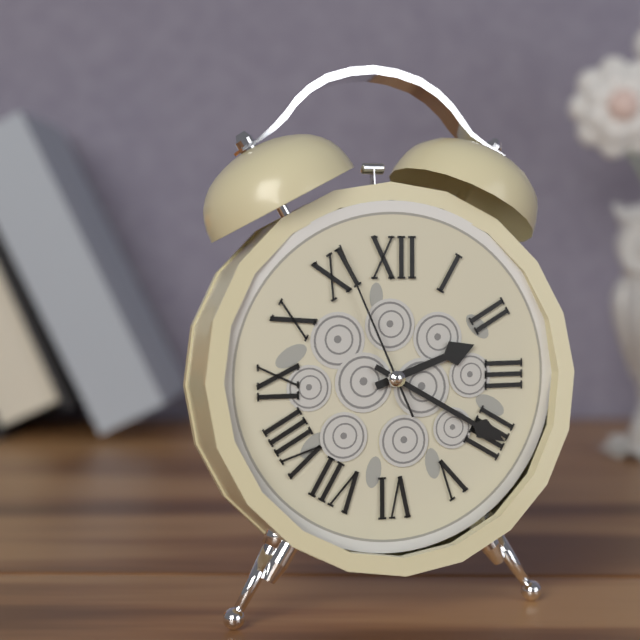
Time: **2:20:56**
